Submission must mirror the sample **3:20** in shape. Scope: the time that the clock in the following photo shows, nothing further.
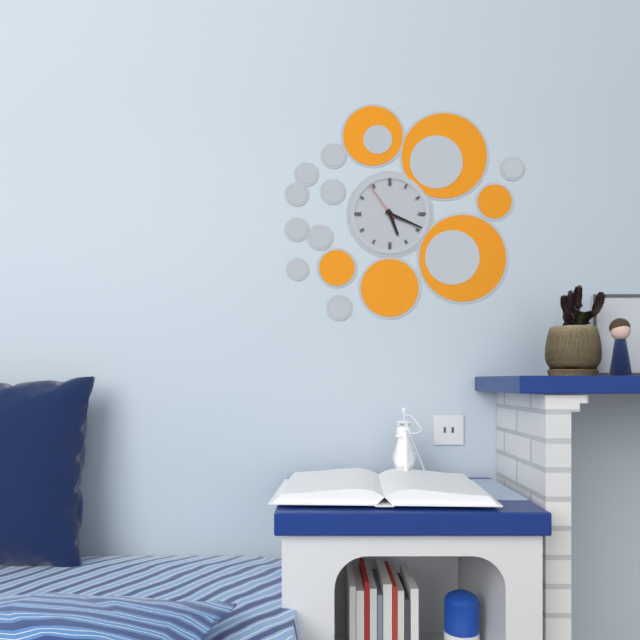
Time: **5:19**
